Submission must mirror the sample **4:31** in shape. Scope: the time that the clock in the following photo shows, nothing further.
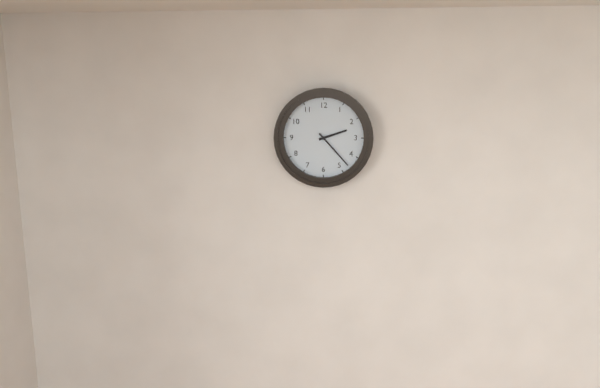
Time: **2:23**
